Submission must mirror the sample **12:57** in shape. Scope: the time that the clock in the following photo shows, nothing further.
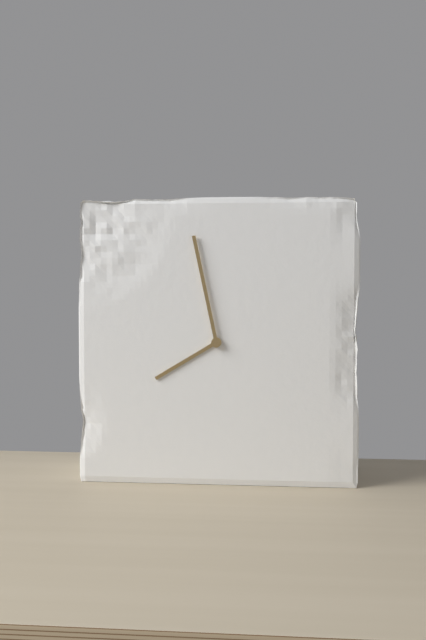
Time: **7:58**
